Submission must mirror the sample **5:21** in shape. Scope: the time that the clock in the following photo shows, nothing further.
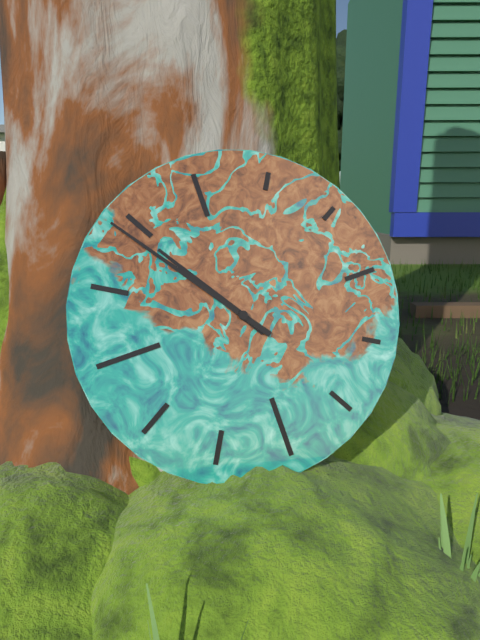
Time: **10:54**
